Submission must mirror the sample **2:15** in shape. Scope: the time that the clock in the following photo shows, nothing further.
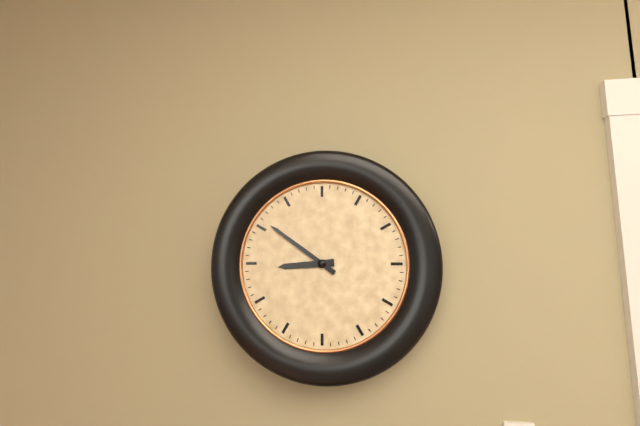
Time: **8:51**
